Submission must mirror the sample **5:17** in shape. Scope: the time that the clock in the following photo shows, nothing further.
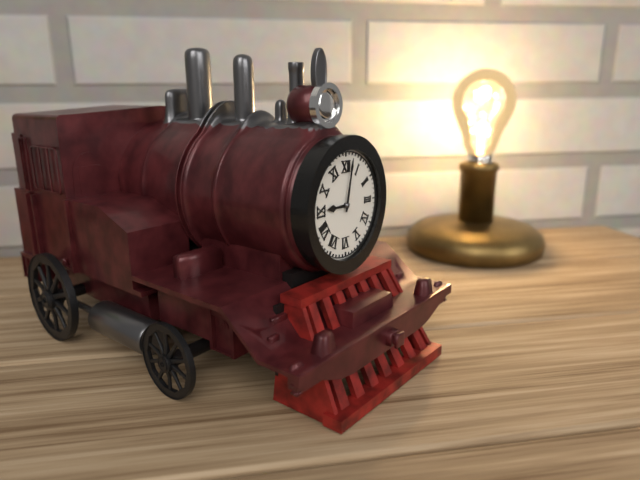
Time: **9:02**
